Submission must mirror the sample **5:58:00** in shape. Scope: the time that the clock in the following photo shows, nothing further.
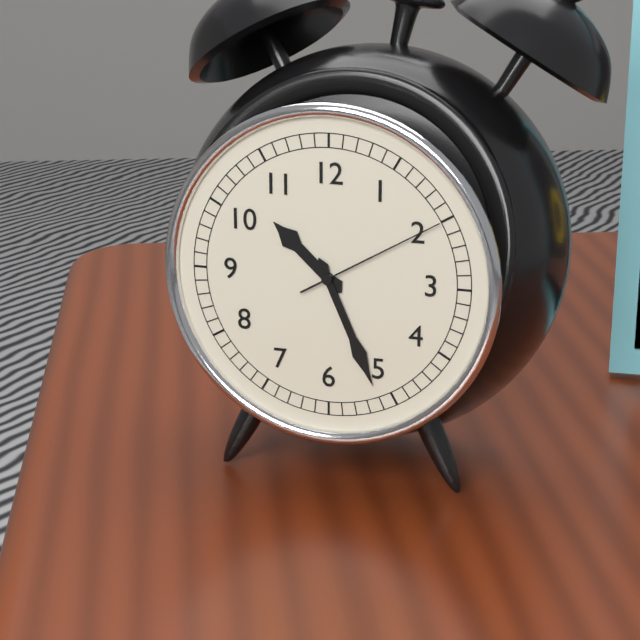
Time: **10:26:10**
